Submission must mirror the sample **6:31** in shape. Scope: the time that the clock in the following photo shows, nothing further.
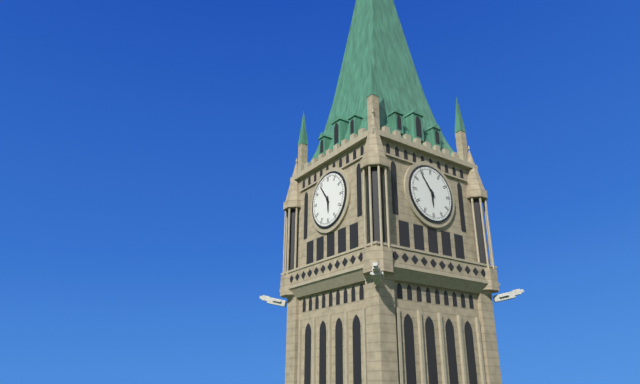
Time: **5:54**
